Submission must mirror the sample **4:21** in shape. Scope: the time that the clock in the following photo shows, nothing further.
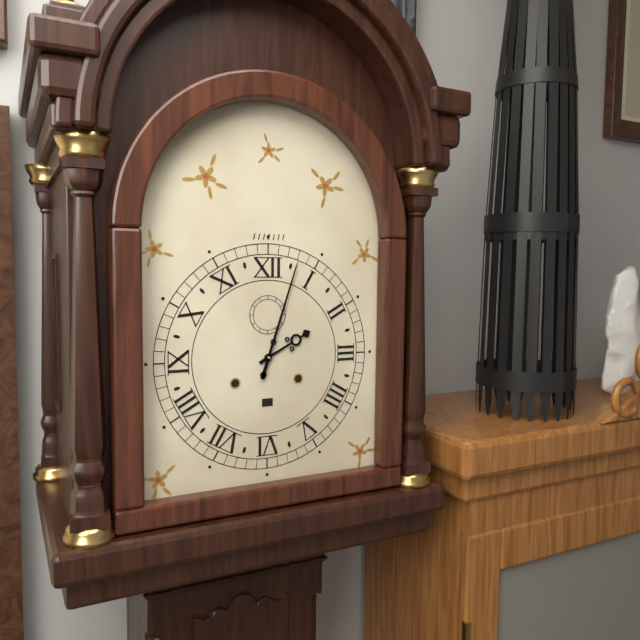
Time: **2:03**
